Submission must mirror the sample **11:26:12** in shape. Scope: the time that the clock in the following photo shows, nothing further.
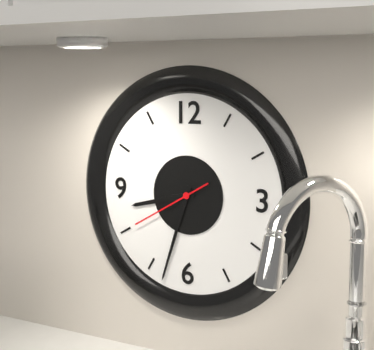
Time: **8:33:40**
